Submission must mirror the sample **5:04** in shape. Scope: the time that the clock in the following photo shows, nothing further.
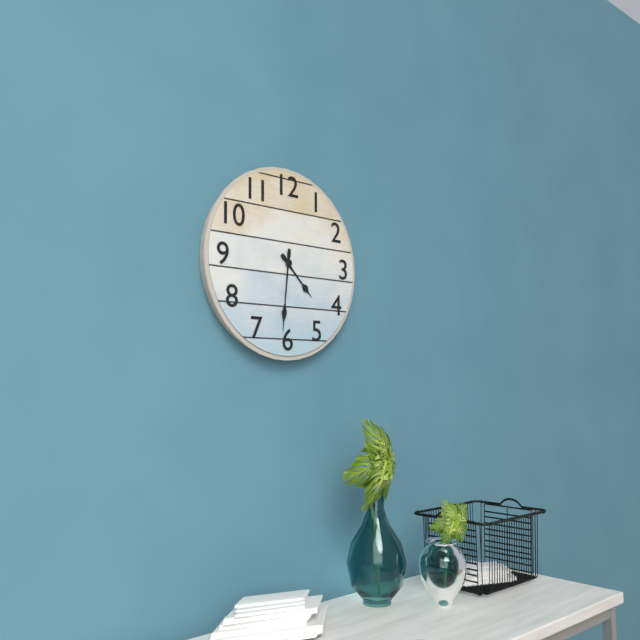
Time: **4:31**
